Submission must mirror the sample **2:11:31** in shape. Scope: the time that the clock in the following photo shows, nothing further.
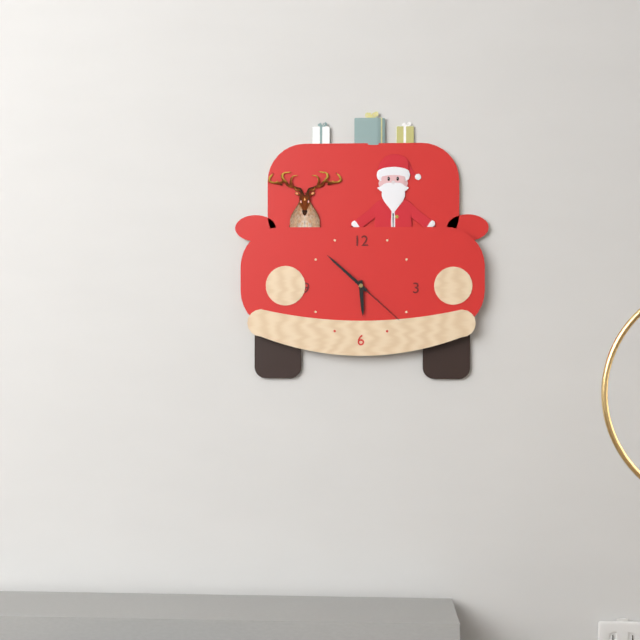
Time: **5:52:22**
